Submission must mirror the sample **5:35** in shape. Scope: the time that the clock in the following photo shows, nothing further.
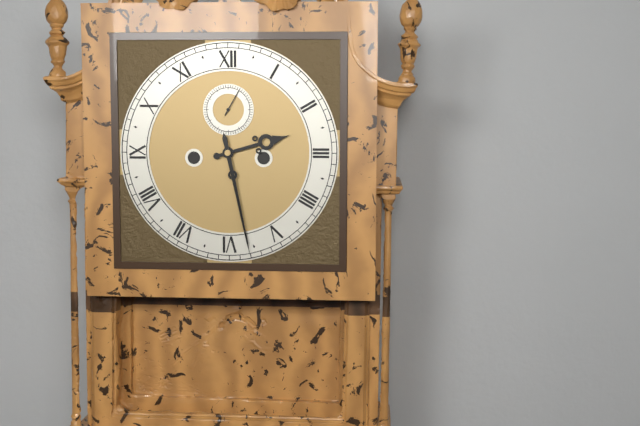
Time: **2:28**
